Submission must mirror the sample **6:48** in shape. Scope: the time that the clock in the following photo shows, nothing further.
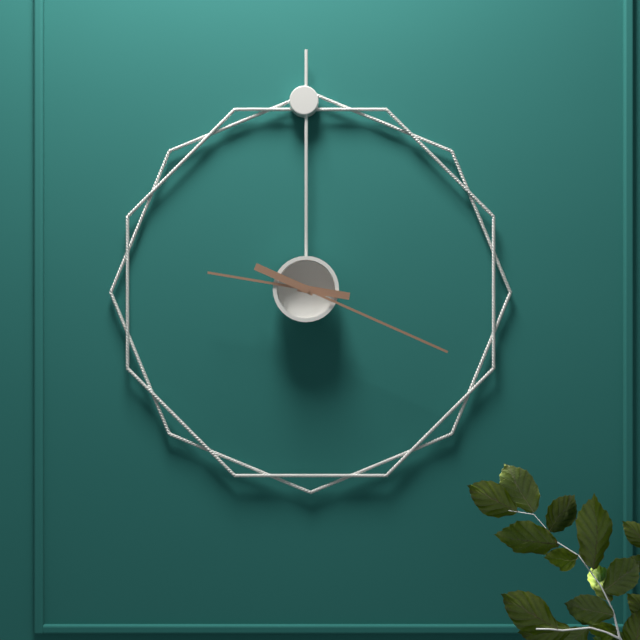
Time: **9:19**
